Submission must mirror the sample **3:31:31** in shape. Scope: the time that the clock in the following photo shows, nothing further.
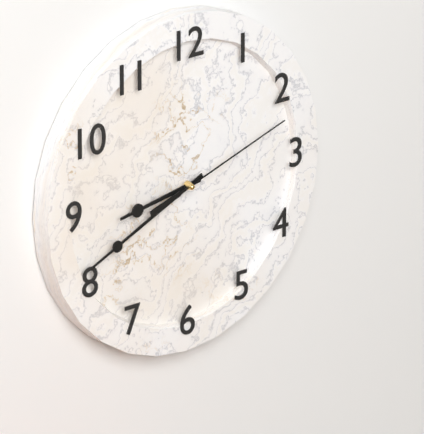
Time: **8:41:12**
